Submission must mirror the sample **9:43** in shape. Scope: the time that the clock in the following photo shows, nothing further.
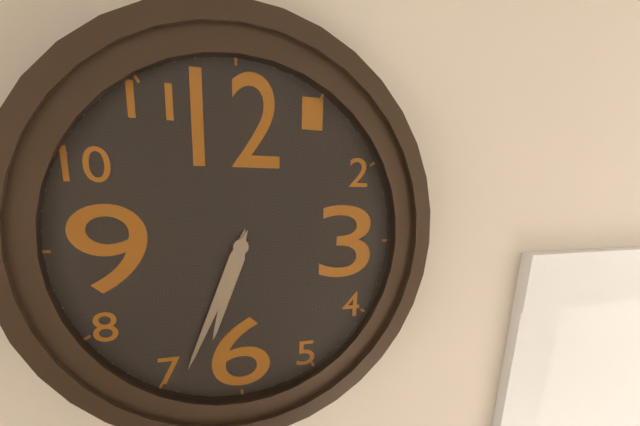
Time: **6:34**
